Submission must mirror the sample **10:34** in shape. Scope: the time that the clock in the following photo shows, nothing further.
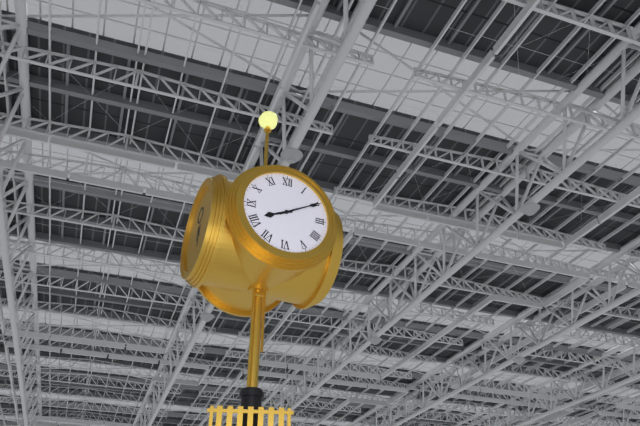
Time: **8:10**
